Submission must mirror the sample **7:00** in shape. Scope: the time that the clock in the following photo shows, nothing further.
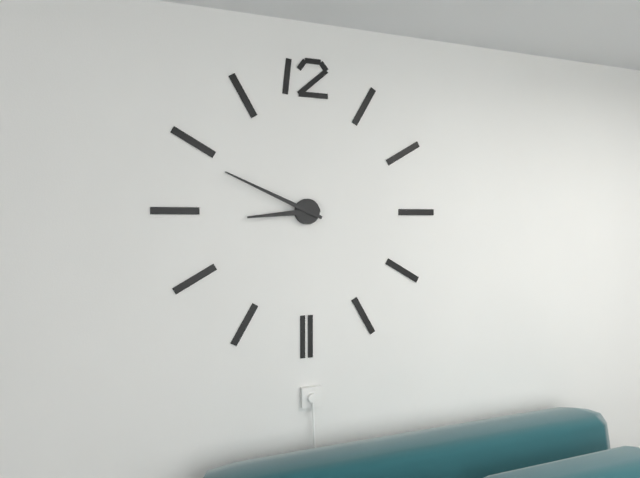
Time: **8:49**
